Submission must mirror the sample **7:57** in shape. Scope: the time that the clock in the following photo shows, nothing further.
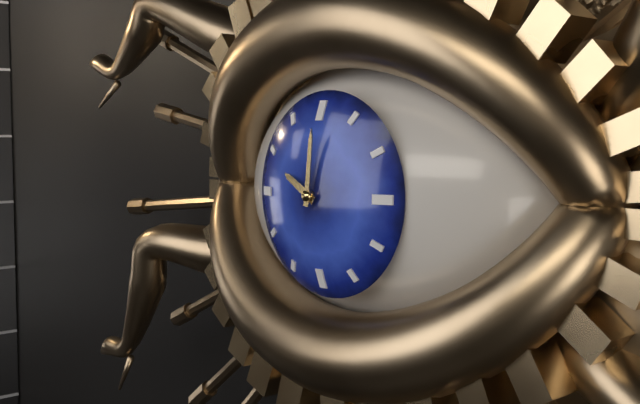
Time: **10:01**
